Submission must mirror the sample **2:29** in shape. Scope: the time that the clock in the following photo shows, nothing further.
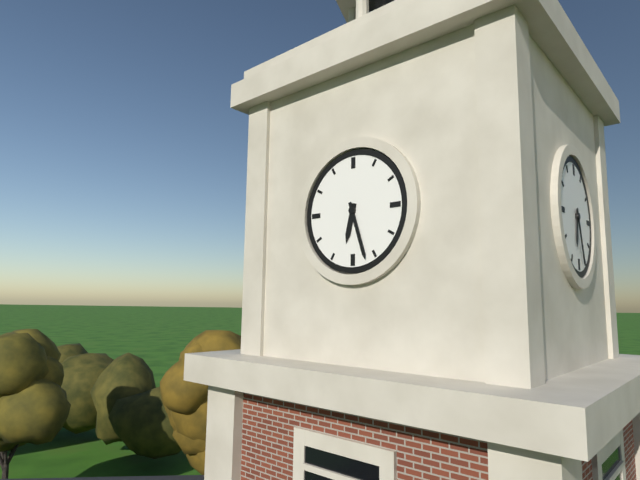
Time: **6:27**
